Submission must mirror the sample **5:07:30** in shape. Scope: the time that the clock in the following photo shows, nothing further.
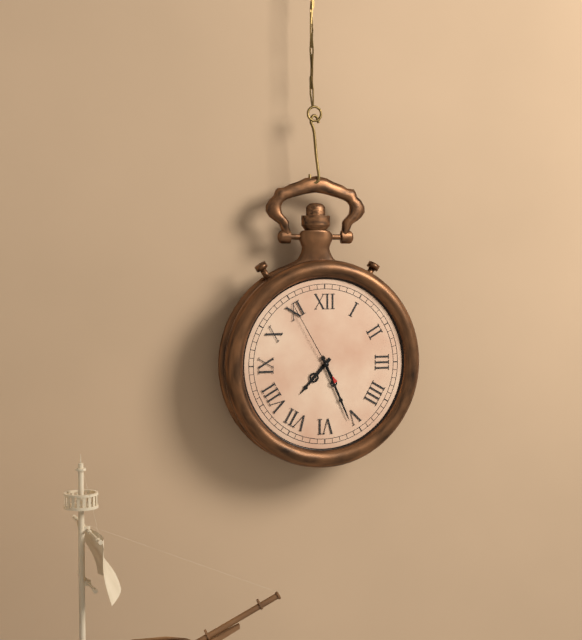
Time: **7:26:55**
